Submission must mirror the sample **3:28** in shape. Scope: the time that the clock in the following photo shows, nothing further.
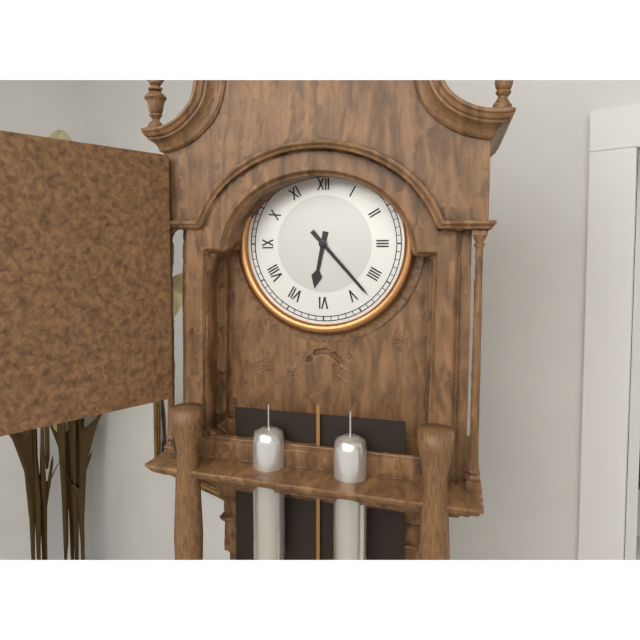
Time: **6:23**
